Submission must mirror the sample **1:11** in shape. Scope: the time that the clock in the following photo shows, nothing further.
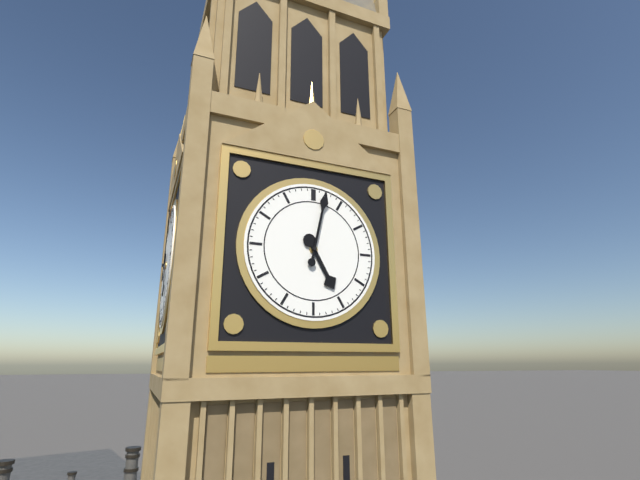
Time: **5:02**
